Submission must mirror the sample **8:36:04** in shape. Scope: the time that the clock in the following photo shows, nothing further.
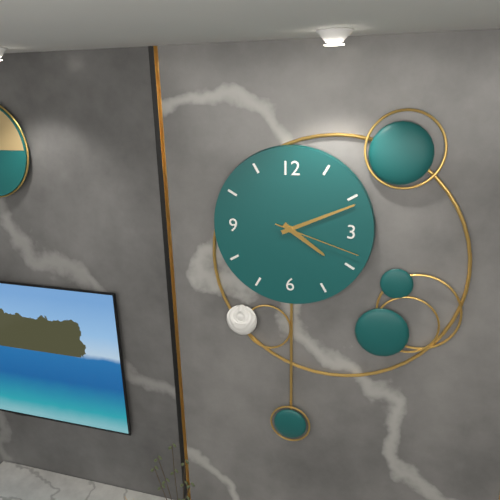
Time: **4:11:18**
